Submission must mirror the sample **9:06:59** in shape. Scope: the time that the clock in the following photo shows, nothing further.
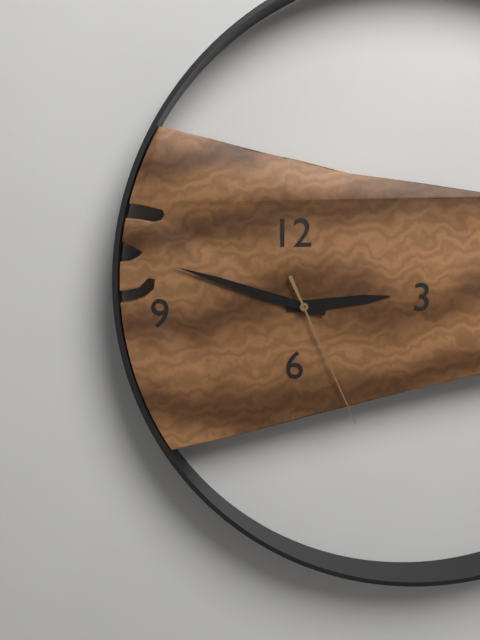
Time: **2:48:26**
